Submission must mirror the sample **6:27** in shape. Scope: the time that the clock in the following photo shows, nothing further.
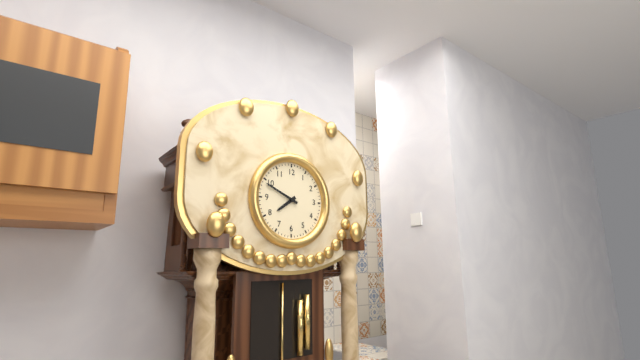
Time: **7:49**
